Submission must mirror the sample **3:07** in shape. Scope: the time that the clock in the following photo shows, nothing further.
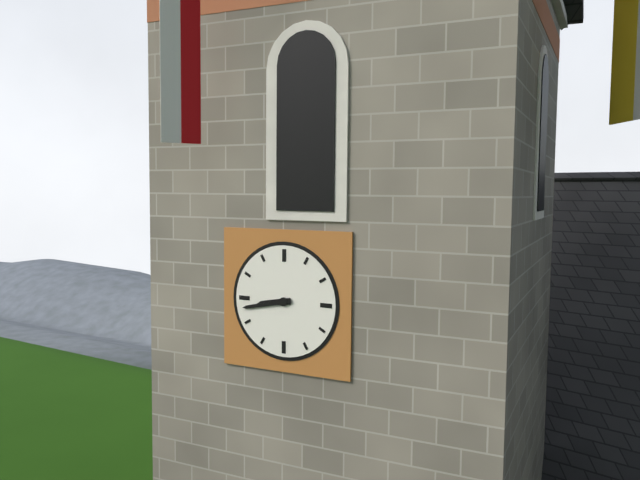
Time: **8:43**
